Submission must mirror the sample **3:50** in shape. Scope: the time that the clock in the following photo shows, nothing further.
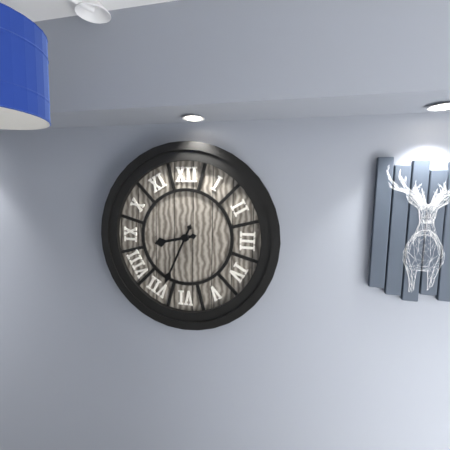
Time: **8:34**
